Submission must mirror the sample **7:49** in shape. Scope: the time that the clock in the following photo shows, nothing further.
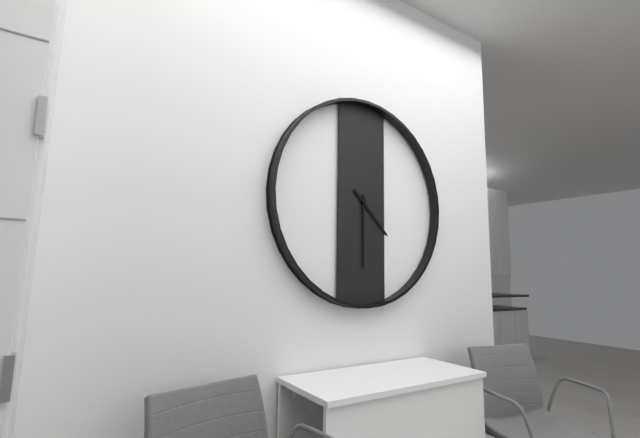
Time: **4:30**
